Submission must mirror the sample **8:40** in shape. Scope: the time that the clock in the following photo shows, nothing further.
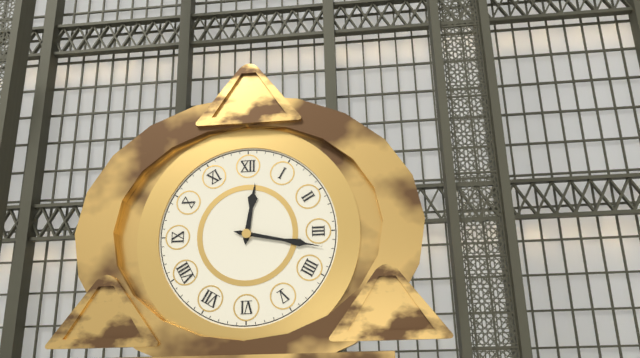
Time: **12:17**
